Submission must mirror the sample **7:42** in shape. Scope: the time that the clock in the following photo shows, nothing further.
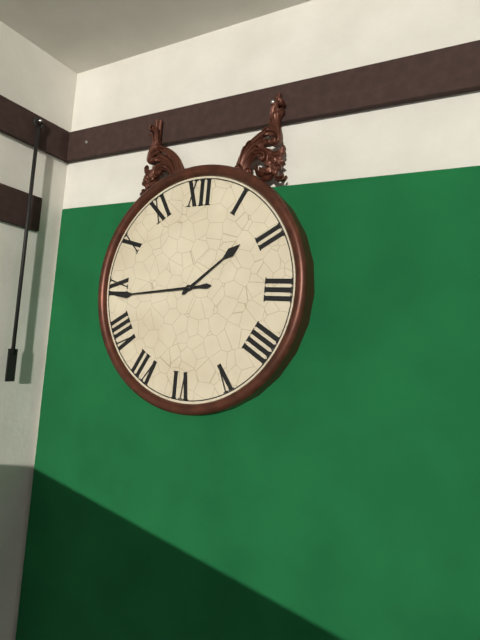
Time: **1:44**
